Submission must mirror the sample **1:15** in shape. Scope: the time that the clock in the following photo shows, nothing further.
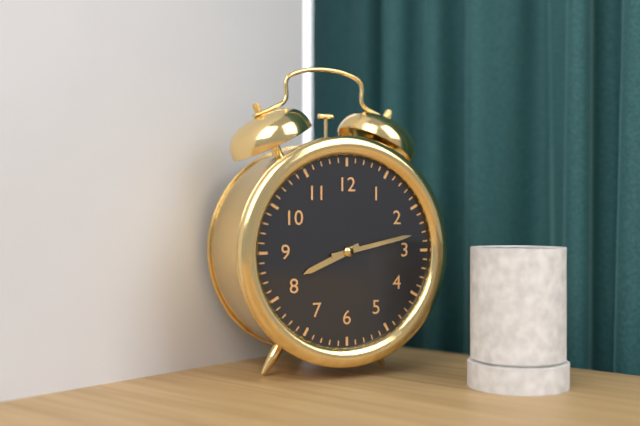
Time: **8:13**
